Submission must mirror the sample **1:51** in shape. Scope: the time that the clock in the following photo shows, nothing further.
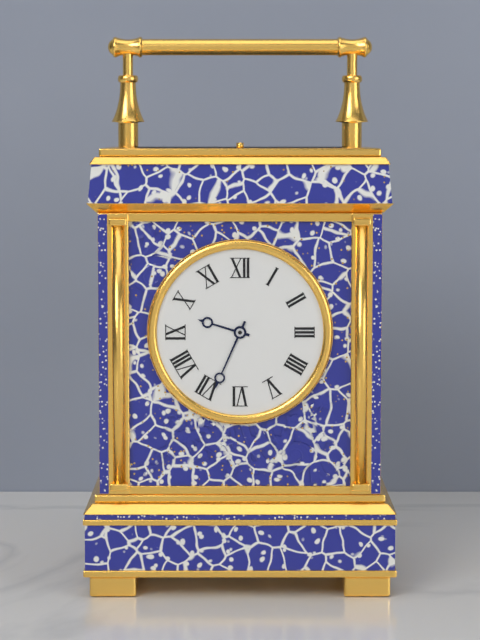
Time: **9:34**
